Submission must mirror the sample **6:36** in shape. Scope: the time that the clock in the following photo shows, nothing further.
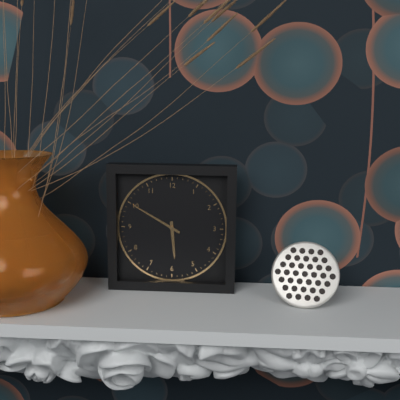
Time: **5:50**
